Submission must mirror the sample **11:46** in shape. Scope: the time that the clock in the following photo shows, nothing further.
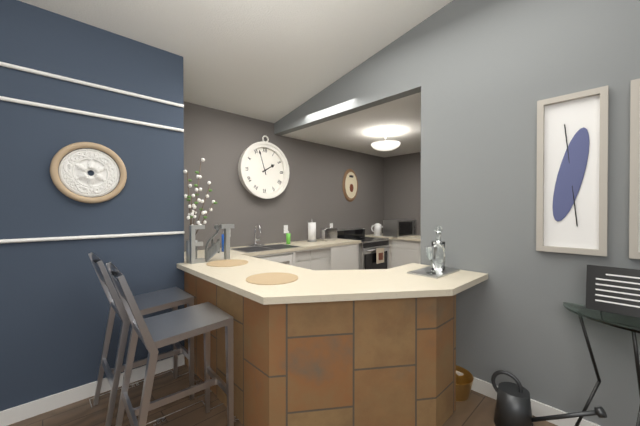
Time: **1:57**
